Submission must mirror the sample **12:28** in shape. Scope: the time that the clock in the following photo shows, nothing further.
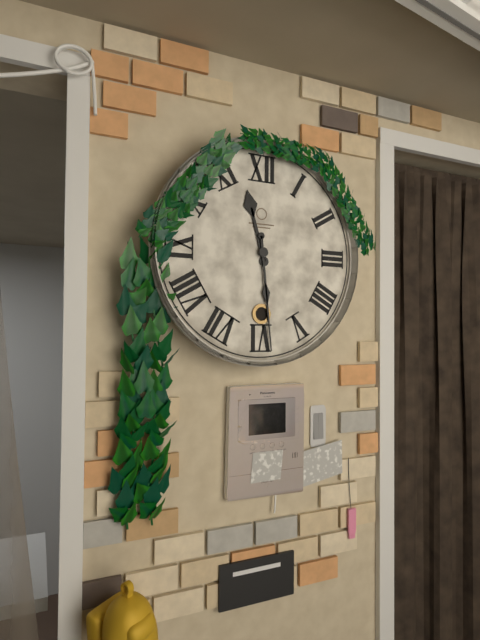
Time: **11:29**
